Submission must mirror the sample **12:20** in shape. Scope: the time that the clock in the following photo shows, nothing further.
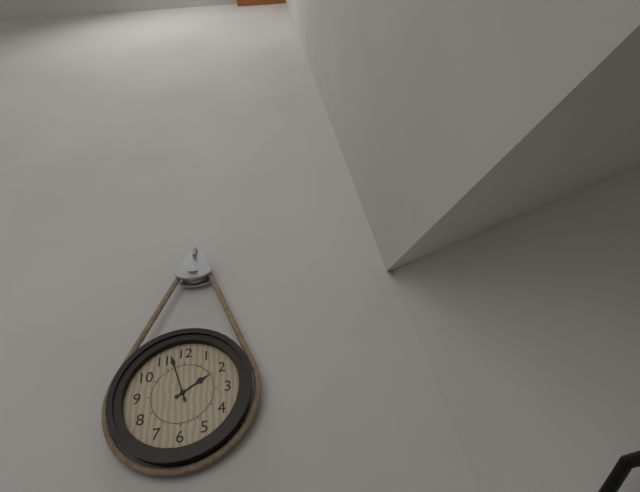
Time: **1:57**
